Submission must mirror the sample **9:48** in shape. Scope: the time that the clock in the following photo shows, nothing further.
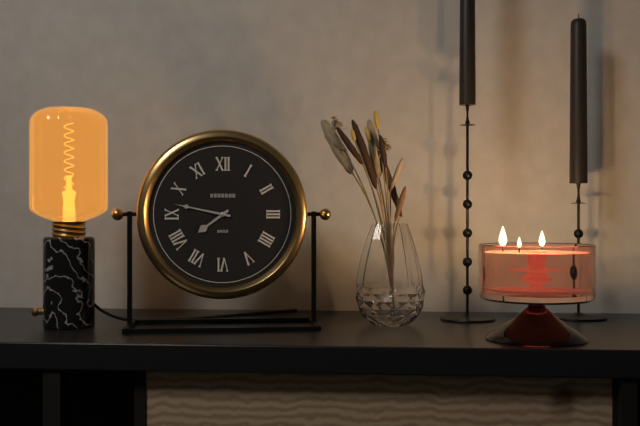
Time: **7:47**
